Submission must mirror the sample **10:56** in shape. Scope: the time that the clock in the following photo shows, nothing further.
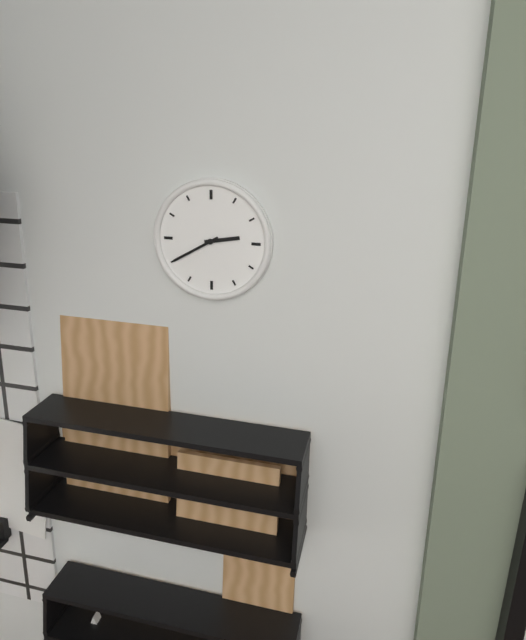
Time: **2:40**
